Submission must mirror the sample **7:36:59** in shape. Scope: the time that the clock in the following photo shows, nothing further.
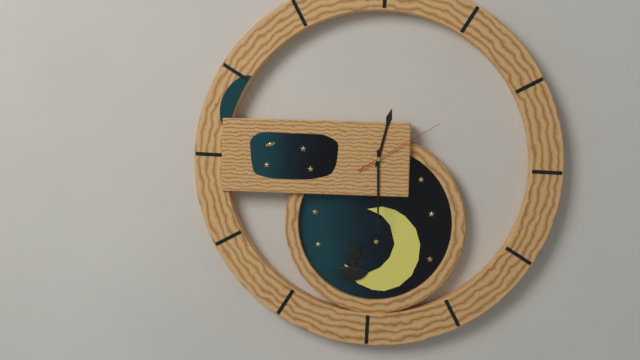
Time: **12:30:10**
